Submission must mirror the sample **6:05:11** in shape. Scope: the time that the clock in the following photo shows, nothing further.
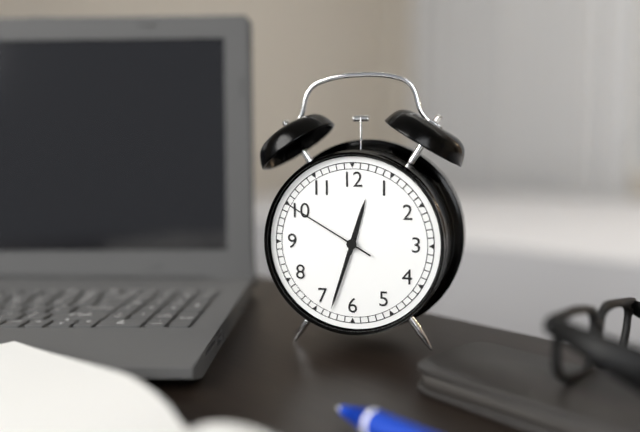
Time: **12:33:50**
